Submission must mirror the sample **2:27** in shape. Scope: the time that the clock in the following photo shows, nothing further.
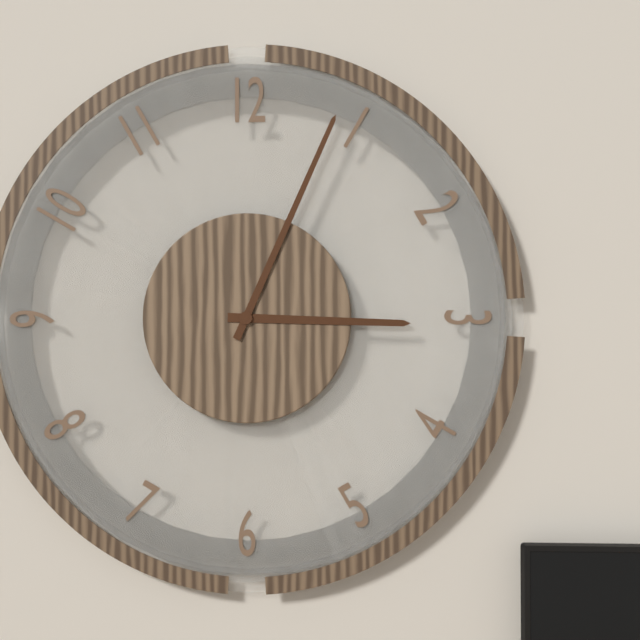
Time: **3:04**
